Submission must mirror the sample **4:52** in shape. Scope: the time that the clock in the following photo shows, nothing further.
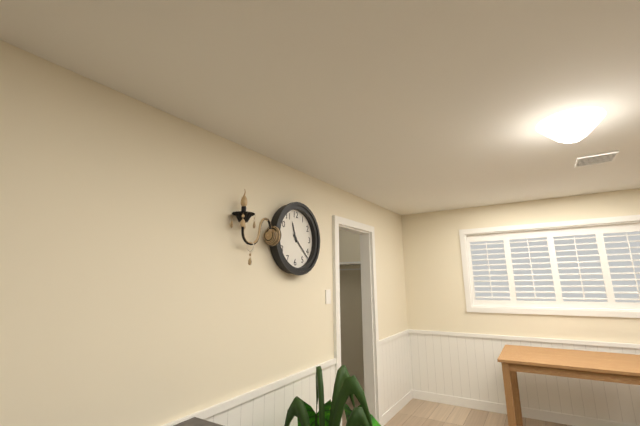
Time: **11:22**
